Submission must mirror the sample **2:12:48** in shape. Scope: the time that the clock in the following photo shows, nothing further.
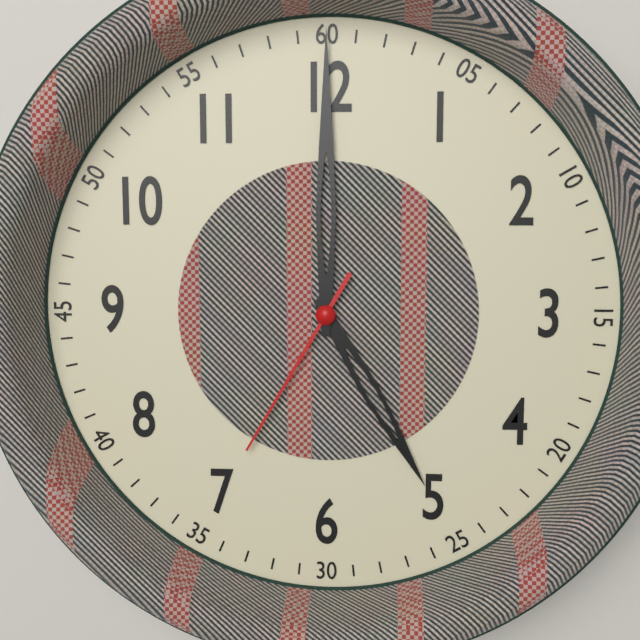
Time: **5:00:35**
